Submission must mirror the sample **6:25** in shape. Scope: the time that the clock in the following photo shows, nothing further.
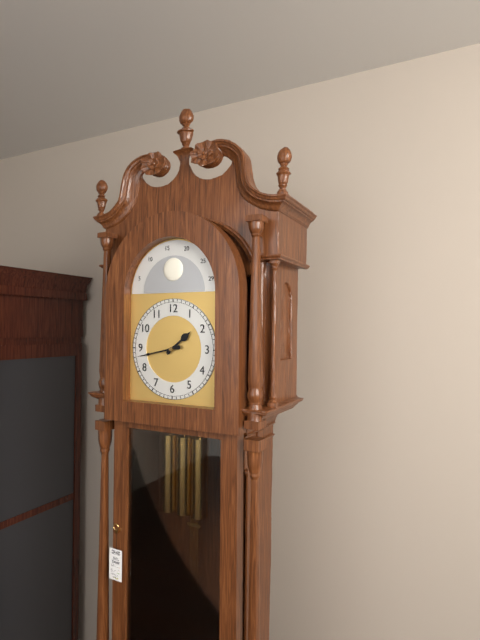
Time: **1:43**
